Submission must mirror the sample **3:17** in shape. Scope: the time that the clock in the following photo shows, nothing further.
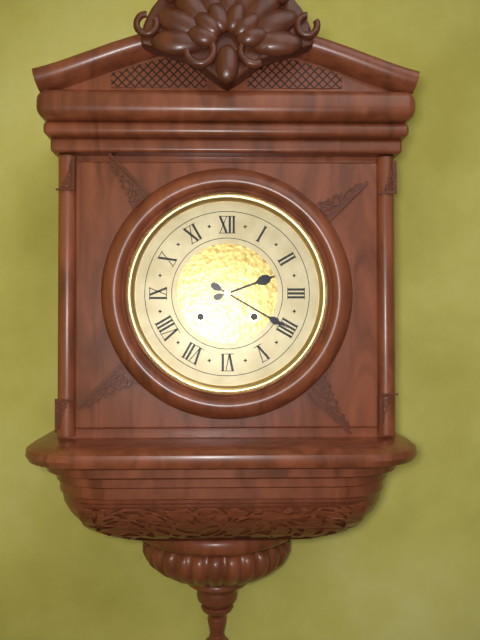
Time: **2:20**
